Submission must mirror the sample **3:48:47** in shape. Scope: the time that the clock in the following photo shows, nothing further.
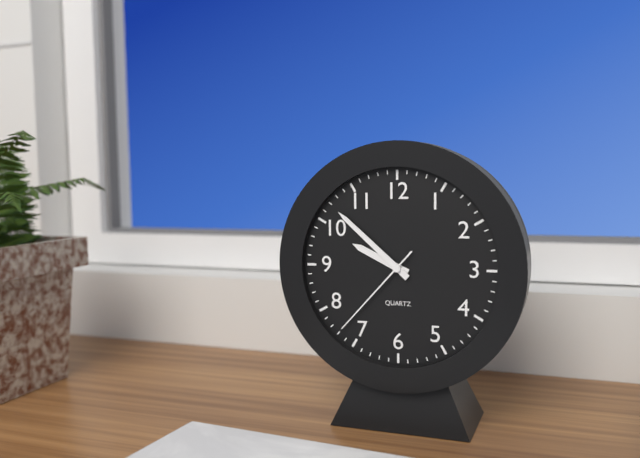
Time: **9:52:37**
